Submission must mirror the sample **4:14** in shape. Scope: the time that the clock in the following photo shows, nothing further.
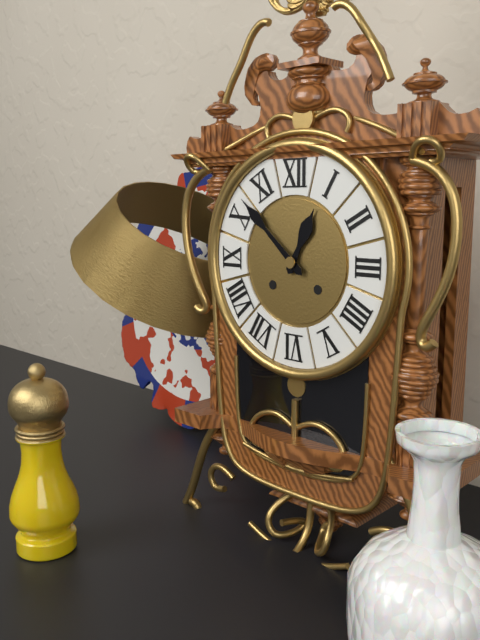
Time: **12:52**
